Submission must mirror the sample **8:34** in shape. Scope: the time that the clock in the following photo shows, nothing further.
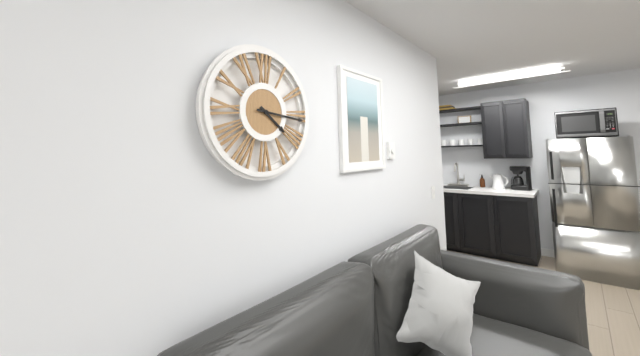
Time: **4:16**
